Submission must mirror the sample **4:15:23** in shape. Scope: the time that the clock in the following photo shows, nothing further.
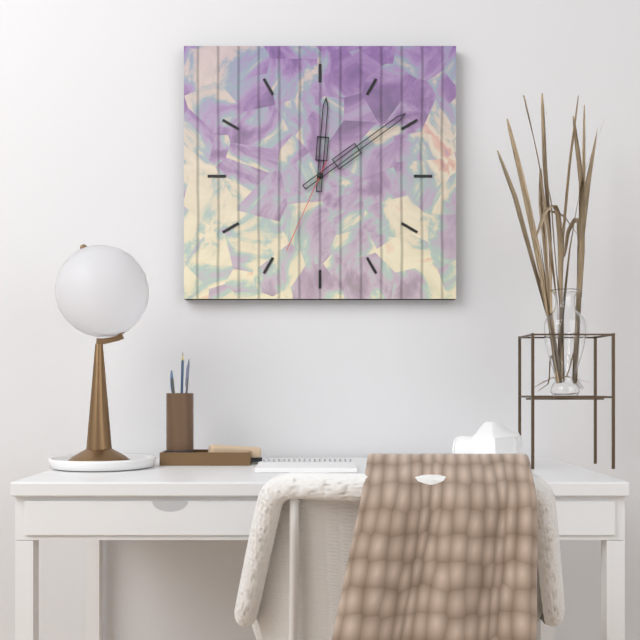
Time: **12:09:34**
